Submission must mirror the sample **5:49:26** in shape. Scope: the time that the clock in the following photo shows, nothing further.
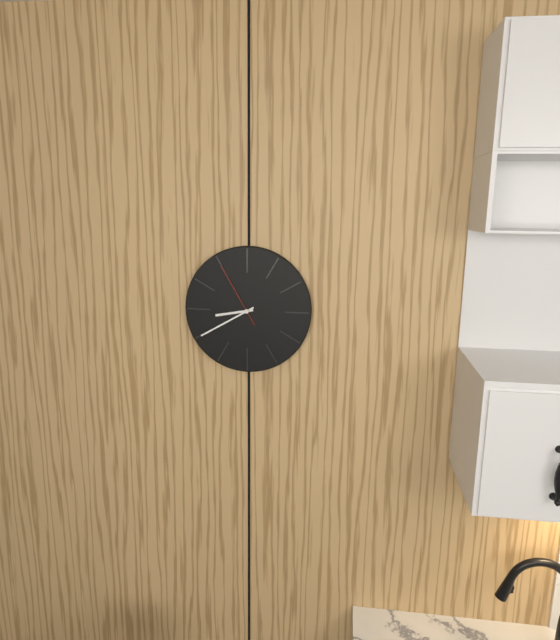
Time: **8:40:55**
